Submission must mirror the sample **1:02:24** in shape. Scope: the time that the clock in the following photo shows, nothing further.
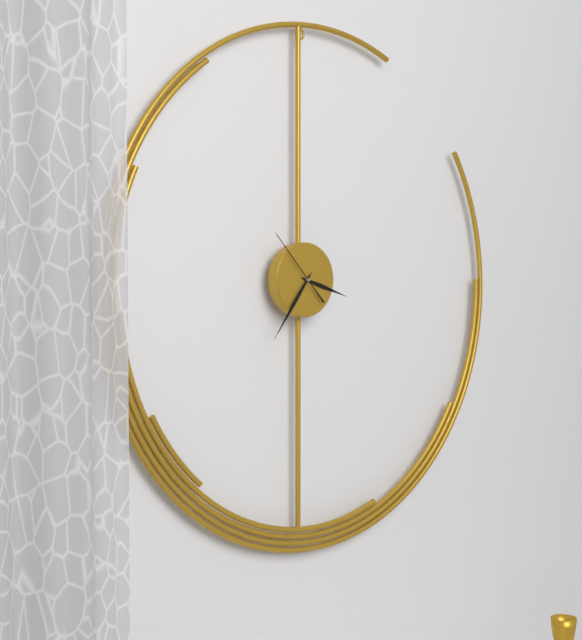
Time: **3:36:53**
